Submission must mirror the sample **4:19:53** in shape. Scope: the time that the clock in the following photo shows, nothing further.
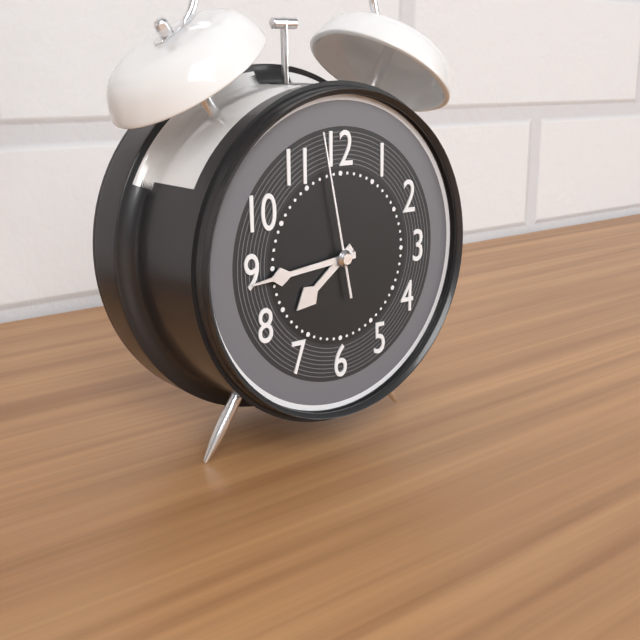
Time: **7:44:58**
